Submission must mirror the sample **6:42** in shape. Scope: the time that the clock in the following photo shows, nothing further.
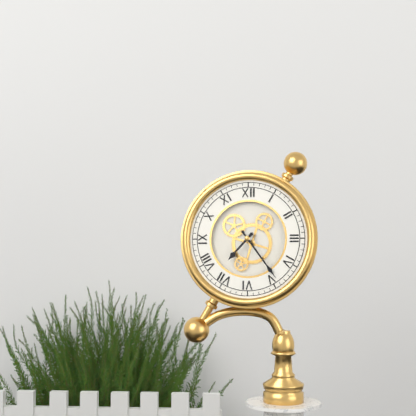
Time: **7:24**
